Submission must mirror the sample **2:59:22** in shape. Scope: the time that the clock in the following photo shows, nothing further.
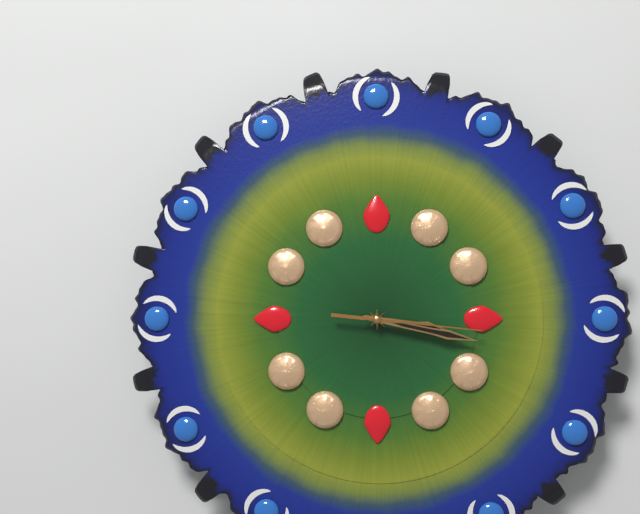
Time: **3:17:16**
